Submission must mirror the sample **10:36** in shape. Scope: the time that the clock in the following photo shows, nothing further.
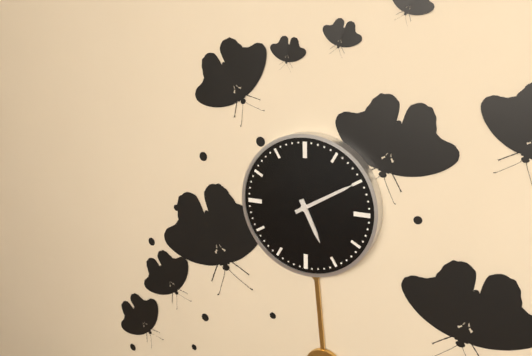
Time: **5:10**
